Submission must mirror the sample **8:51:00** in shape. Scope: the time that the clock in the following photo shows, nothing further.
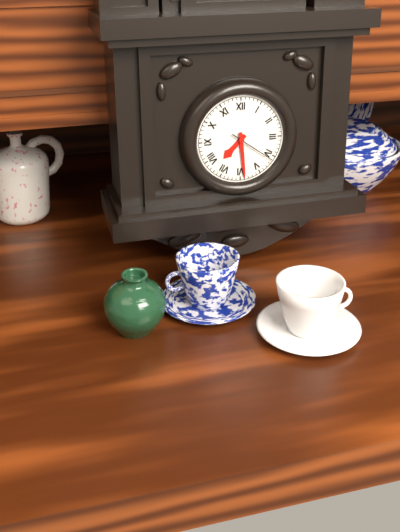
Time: **7:29:21**
